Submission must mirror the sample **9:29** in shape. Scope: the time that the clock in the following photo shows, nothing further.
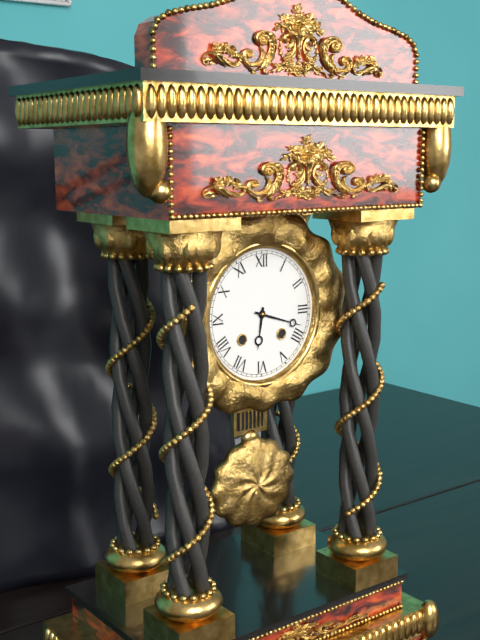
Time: **6:18**
